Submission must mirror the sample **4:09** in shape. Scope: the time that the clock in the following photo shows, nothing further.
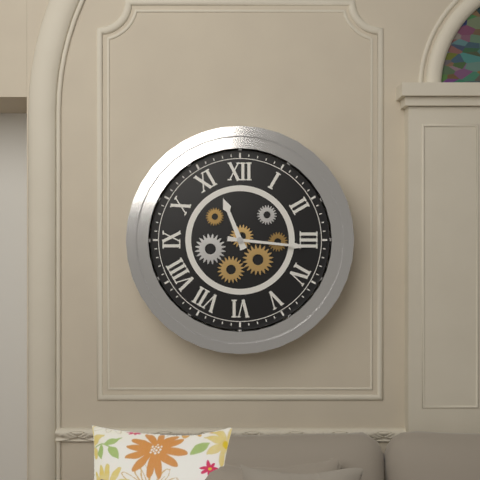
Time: **11:16**
